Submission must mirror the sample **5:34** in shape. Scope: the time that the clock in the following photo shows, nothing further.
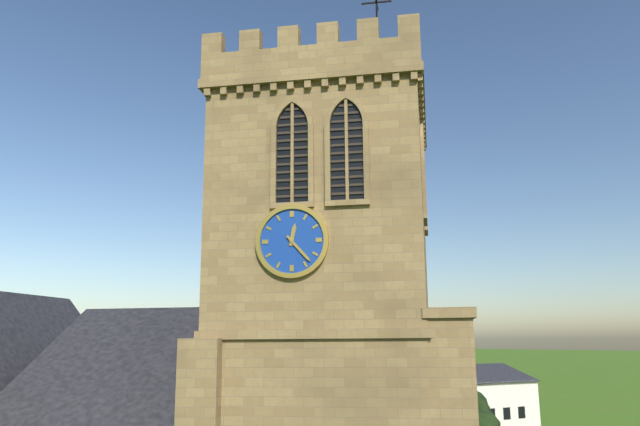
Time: **12:23**
